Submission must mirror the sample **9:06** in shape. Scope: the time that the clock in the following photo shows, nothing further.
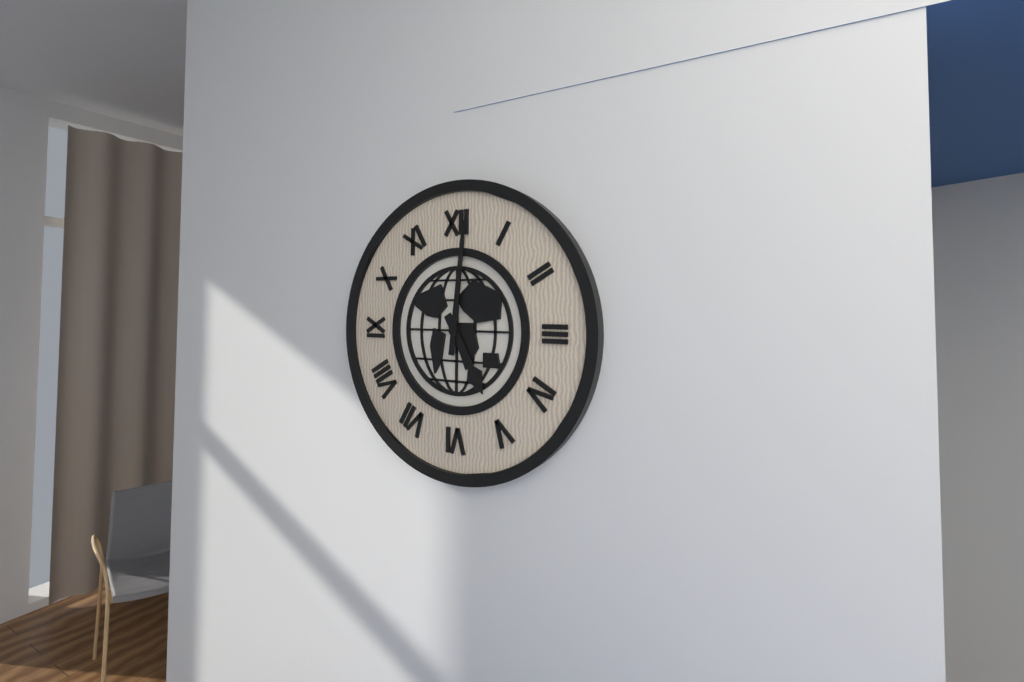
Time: **5:01**
